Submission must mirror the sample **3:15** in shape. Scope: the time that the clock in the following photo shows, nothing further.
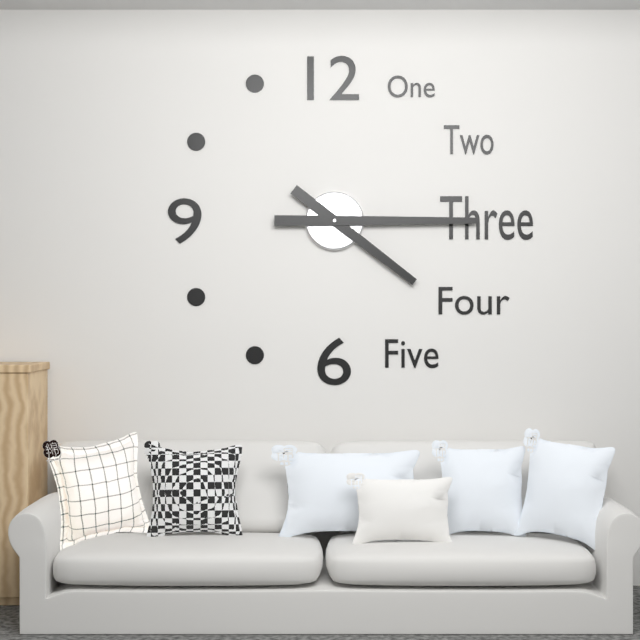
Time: **4:15**
